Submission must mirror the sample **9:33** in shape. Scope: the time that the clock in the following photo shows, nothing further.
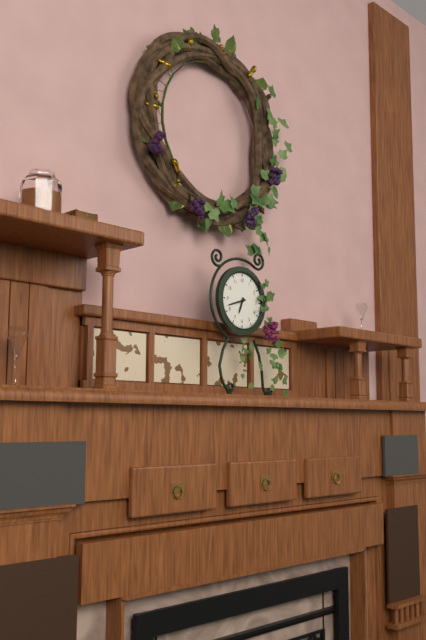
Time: **6:42**
